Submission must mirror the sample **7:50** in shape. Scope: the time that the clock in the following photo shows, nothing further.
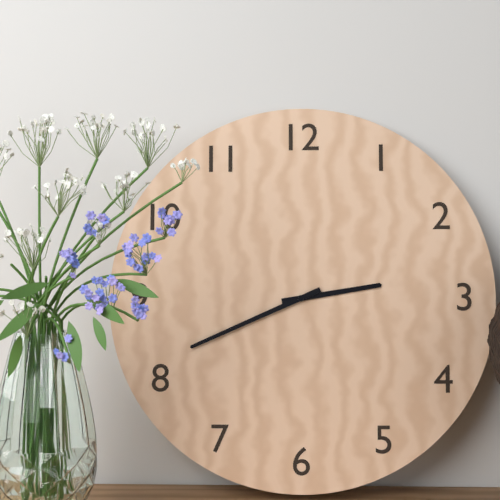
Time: **2:41**
